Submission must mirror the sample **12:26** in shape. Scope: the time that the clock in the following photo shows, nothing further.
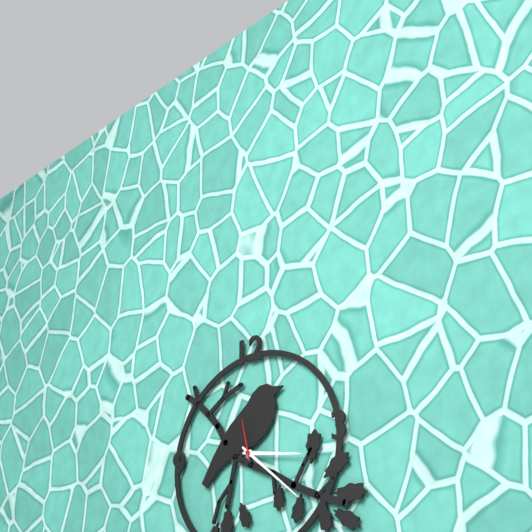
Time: **3:22**
